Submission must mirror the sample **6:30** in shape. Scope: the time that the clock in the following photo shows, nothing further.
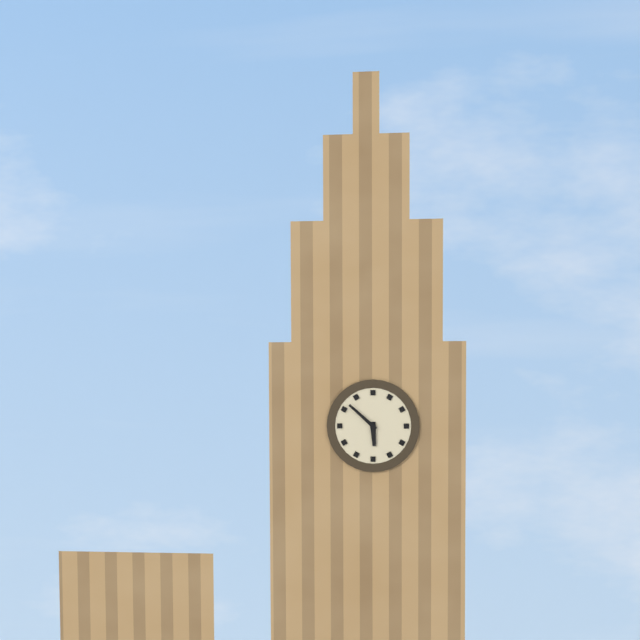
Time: **5:52**
